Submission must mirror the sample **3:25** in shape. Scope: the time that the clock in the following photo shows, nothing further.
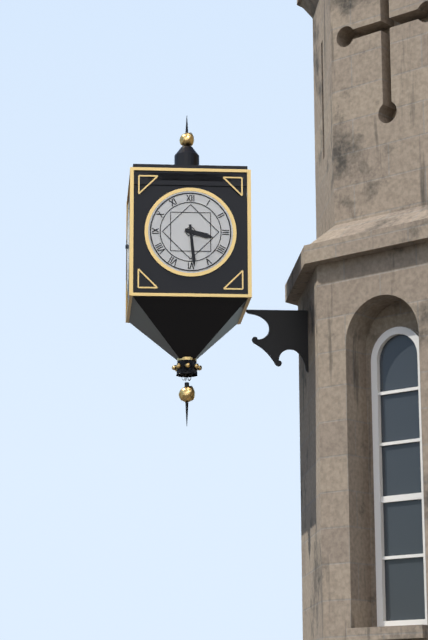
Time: **3:29**
